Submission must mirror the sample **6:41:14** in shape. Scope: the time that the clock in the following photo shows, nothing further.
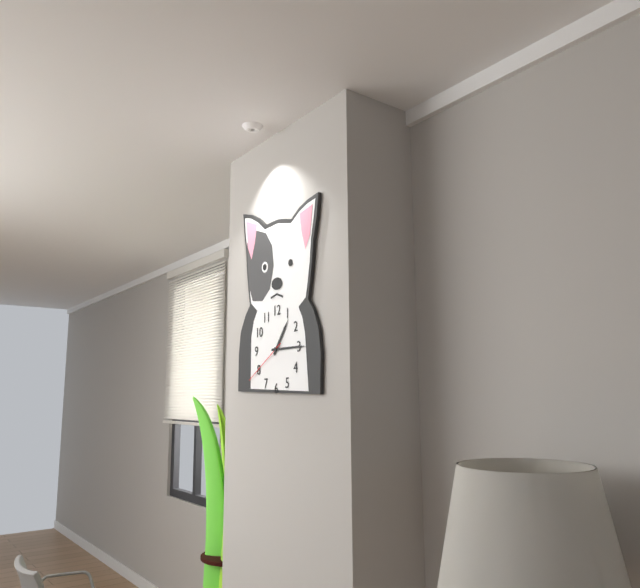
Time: **1:15:40**
